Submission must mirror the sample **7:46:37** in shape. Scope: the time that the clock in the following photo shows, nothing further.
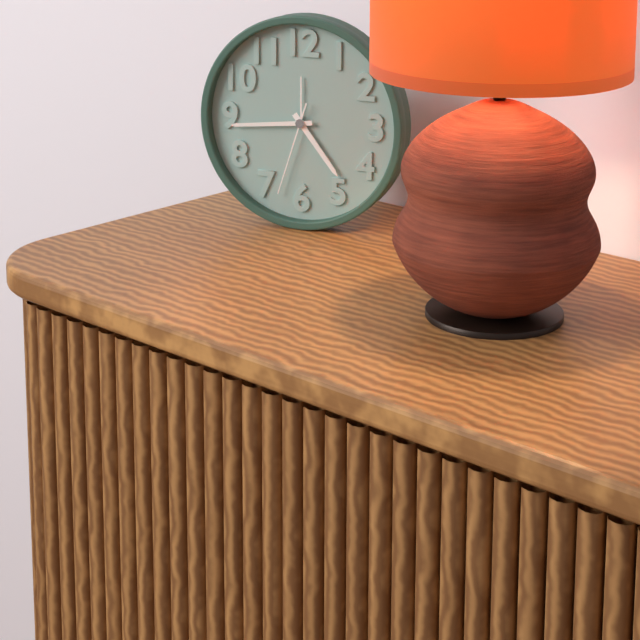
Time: **4:44:33**
